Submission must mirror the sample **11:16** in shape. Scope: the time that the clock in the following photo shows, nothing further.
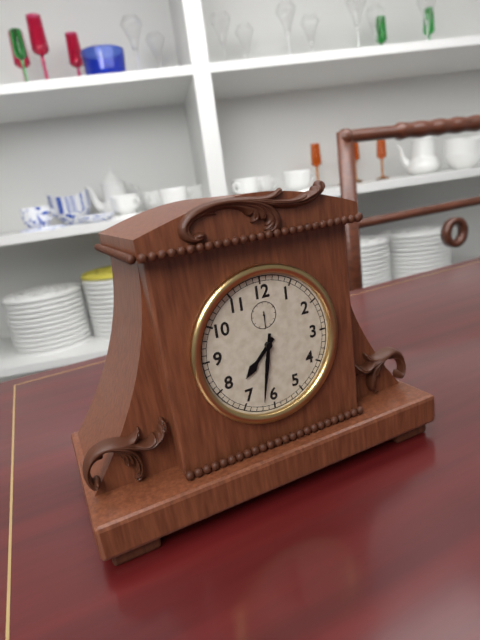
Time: **7:32**
